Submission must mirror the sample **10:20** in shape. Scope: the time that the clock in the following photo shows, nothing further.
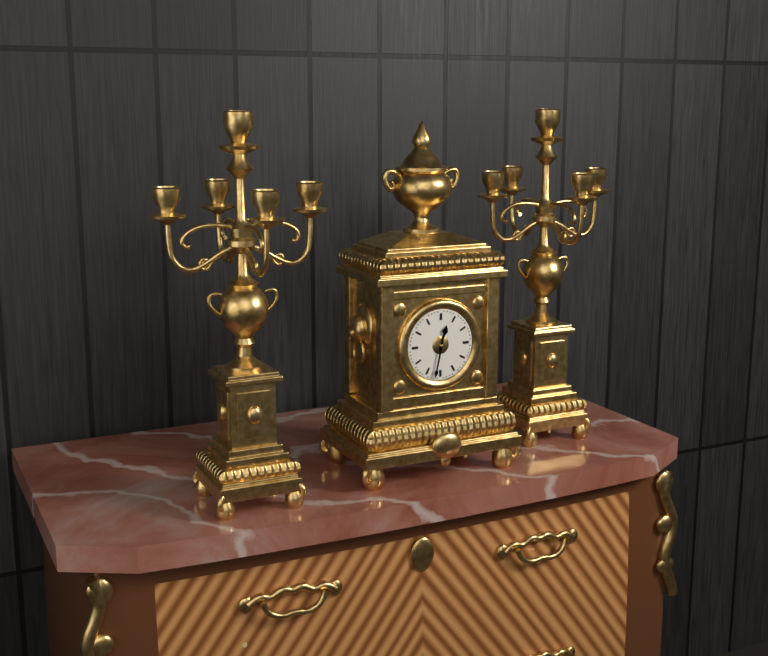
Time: **12:32**
